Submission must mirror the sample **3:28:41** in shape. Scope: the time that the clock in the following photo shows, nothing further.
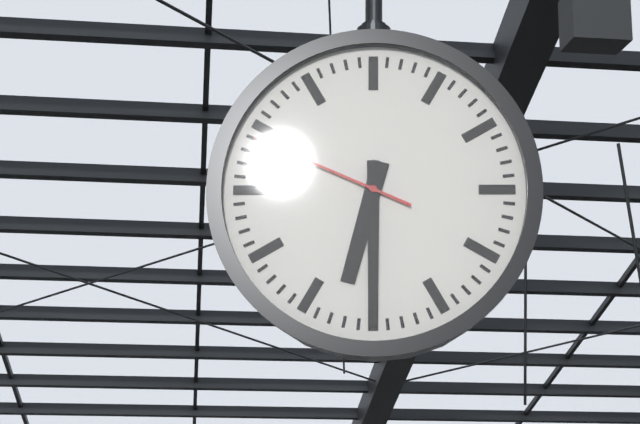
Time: **6:30:49**
